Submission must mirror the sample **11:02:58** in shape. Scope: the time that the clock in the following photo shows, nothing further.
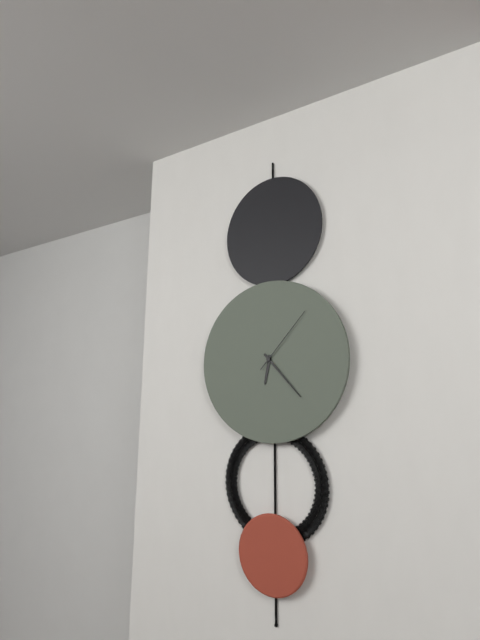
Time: **6:23:07**
